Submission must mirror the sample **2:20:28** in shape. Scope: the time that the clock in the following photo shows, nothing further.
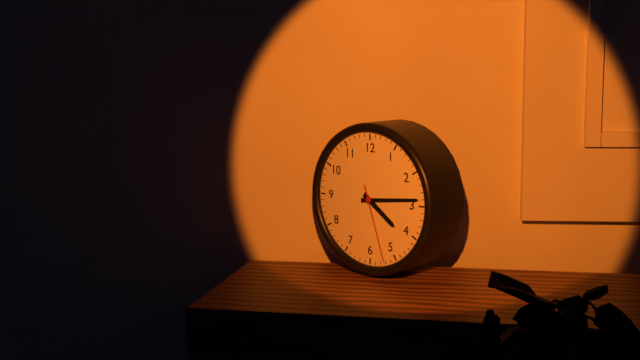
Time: **4:14:27**
